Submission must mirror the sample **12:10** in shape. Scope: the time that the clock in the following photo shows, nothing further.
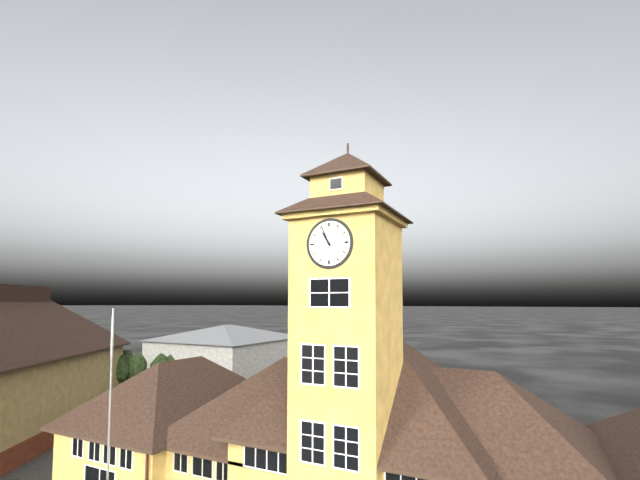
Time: **10:56**
